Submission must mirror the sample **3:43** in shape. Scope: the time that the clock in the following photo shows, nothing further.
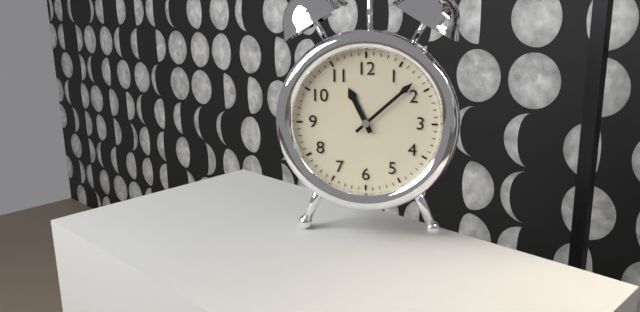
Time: **11:08**
